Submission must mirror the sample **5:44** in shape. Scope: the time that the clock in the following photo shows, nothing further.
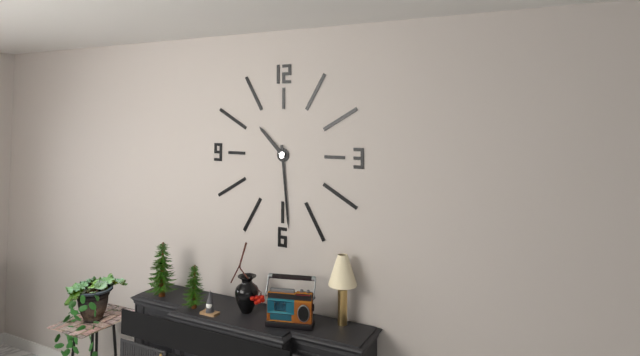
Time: **10:29**
